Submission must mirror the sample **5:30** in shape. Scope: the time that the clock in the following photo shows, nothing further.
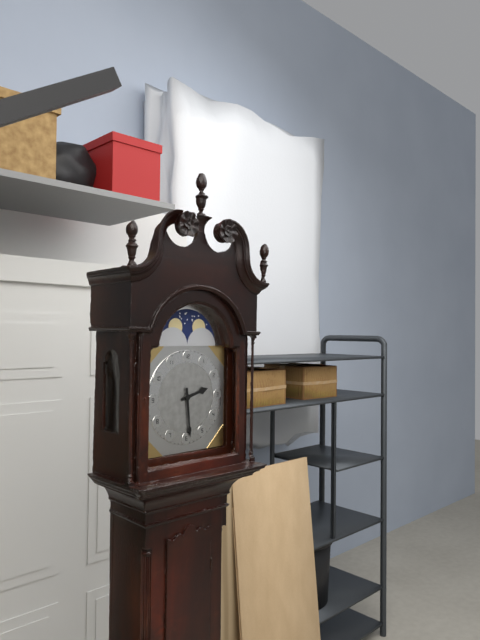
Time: **2:29**
